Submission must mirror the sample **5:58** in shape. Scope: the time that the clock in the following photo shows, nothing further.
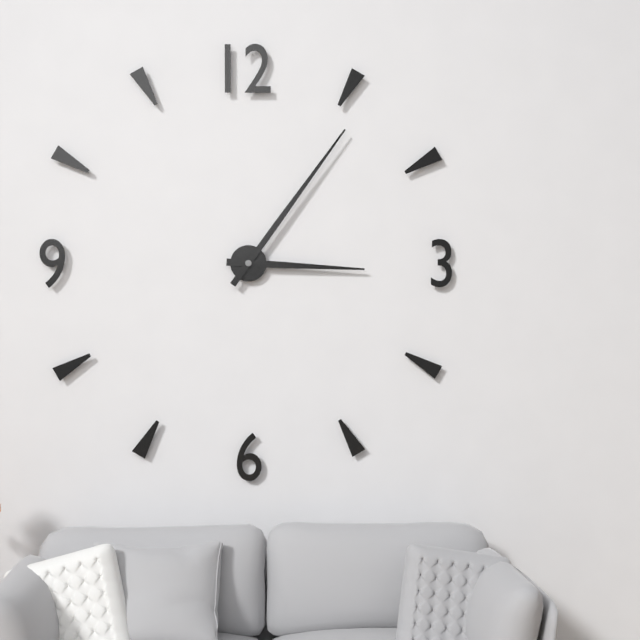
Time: **3:06**
